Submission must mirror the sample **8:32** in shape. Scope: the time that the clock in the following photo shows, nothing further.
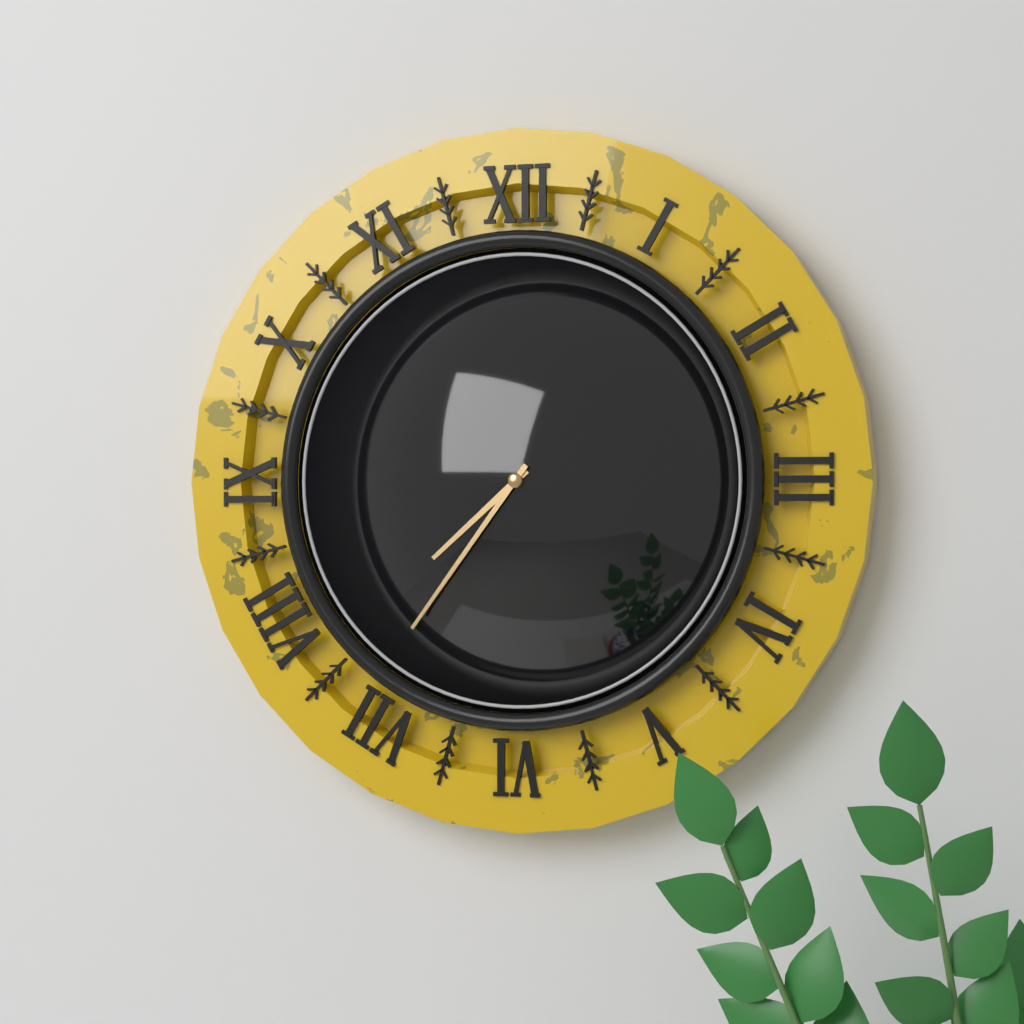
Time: **7:36**
